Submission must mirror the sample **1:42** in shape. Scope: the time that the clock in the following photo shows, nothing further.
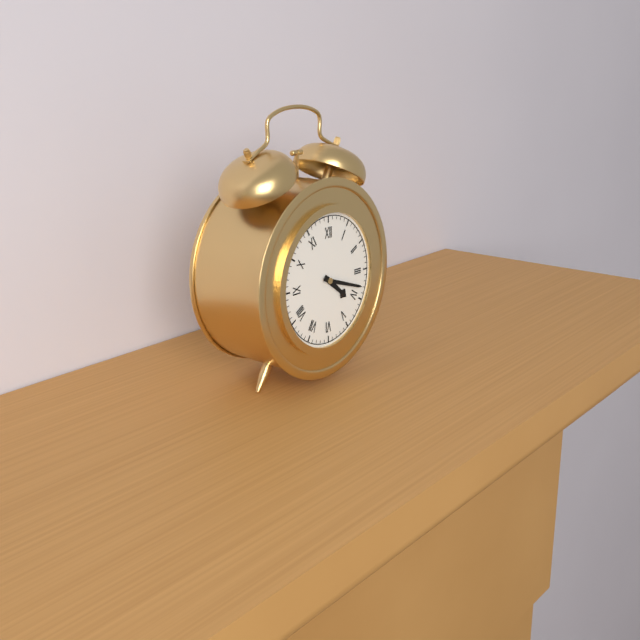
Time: **4:18**
